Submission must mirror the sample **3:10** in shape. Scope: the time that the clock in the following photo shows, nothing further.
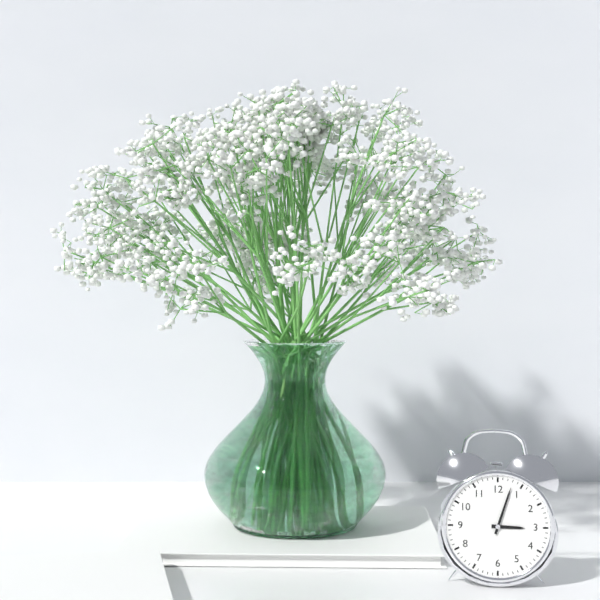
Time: **3:03**
